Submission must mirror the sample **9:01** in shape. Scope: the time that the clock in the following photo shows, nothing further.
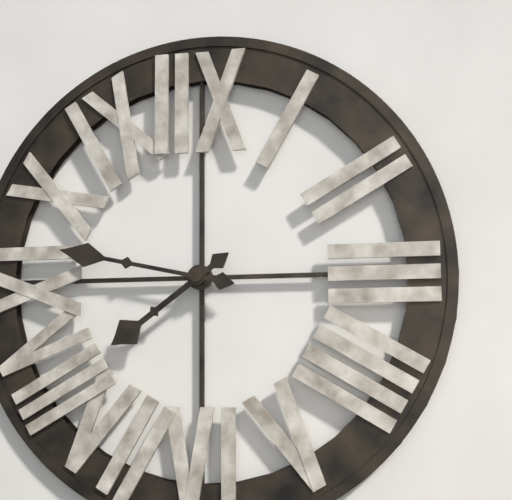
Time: **7:47**
